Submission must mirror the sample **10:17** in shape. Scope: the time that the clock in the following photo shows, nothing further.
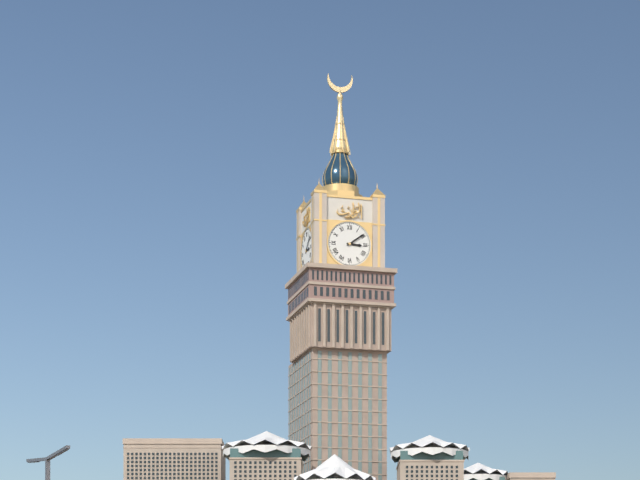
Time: **3:09**
